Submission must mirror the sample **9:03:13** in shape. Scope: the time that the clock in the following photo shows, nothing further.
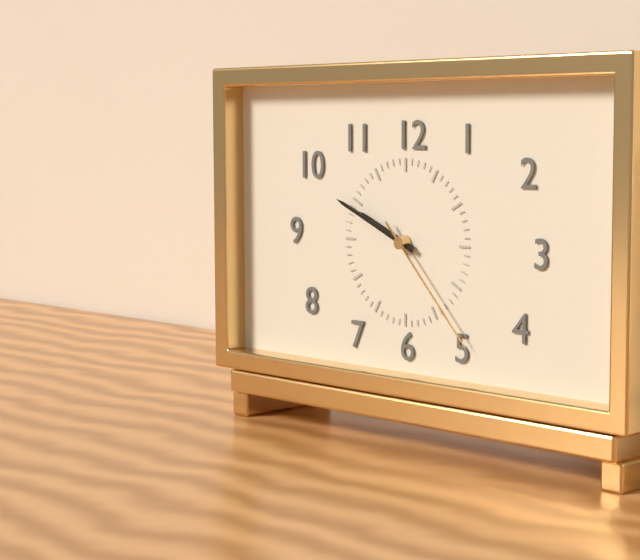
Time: **9:49:23**
